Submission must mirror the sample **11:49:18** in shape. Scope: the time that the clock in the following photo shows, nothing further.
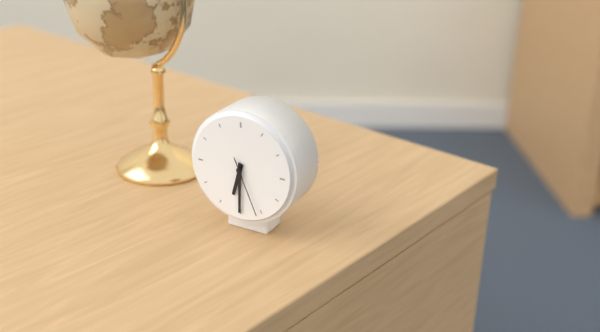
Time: **6:30:26**
